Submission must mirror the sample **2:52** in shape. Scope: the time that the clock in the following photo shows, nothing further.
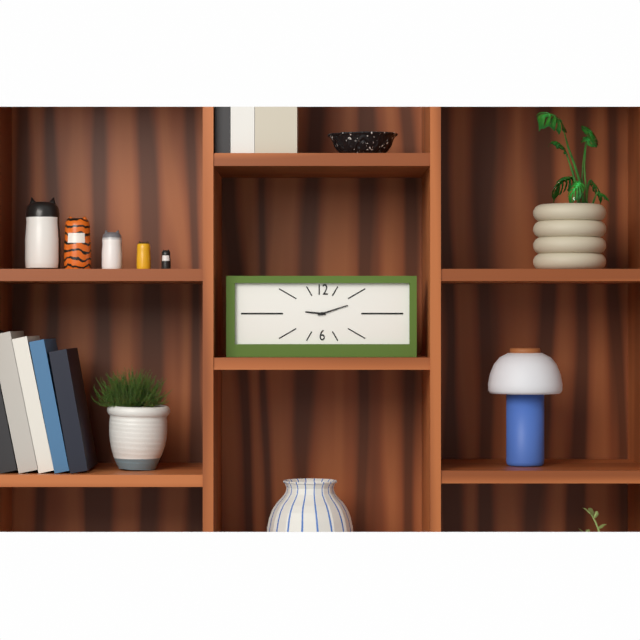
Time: **9:12**
